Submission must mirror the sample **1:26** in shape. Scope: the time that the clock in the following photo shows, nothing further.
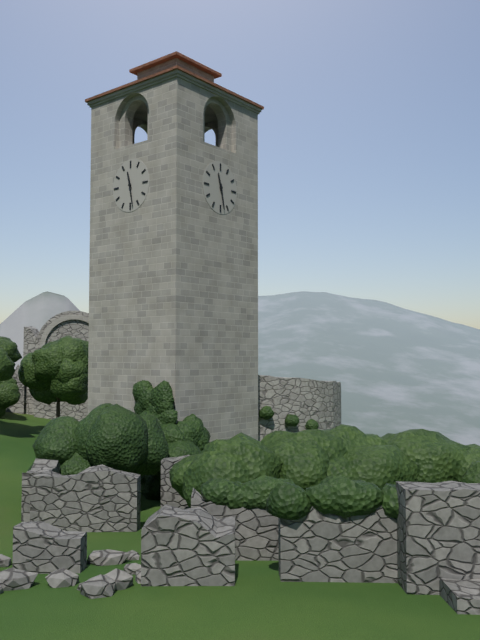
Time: **11:28**
